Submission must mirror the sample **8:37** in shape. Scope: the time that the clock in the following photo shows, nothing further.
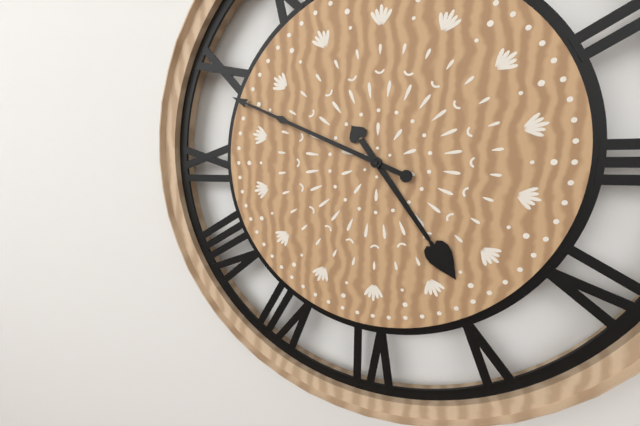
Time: **4:49**
